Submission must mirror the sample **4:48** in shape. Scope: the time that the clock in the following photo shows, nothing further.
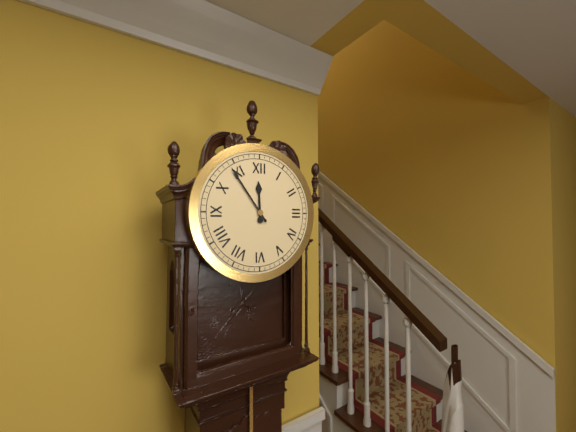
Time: **11:54**
